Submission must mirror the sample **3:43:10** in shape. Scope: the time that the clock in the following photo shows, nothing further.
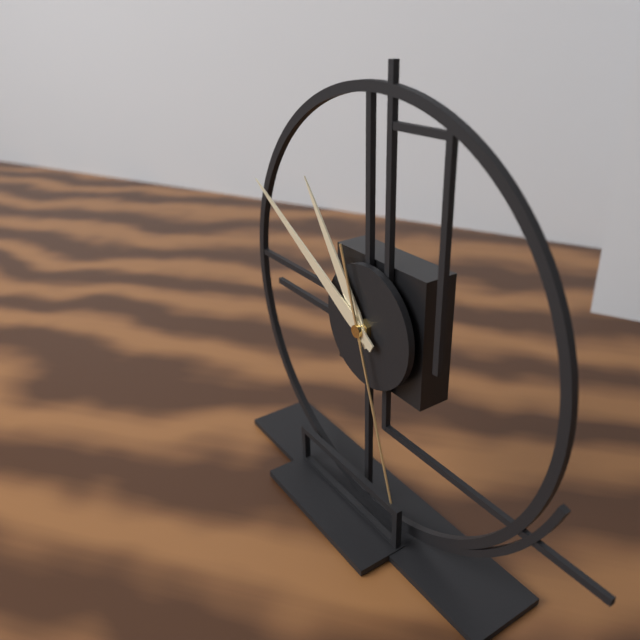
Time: **10:50:27**
